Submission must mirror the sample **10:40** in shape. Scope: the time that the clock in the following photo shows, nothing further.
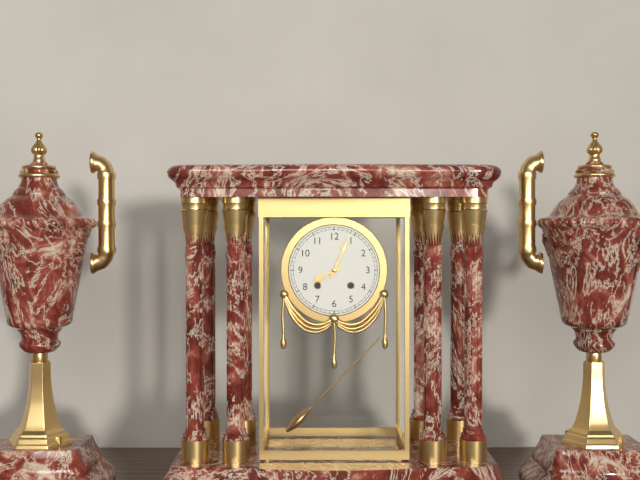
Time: **8:04**
